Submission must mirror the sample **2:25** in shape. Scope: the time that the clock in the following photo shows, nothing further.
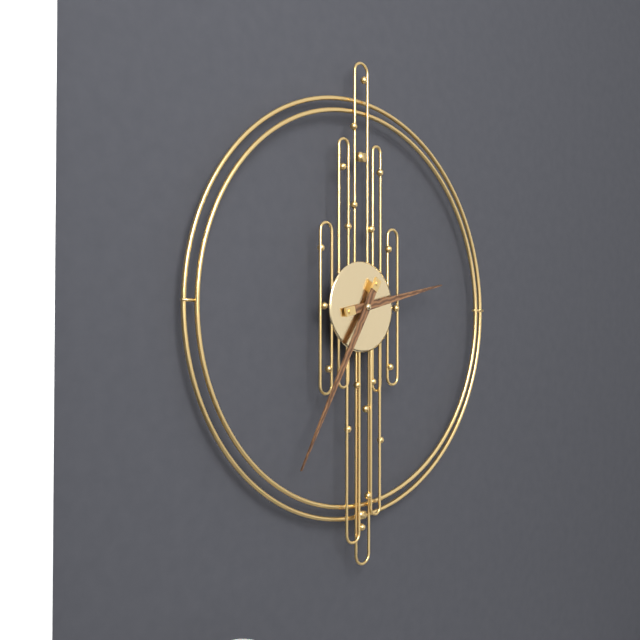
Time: **2:35**
